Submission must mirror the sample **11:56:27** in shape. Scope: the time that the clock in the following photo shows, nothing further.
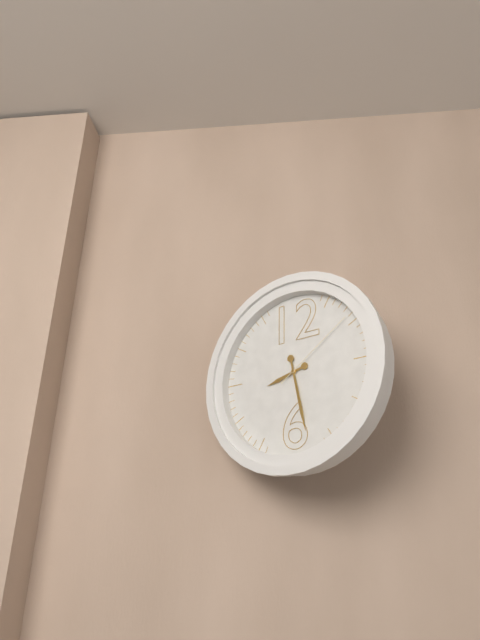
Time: **8:28:09**
